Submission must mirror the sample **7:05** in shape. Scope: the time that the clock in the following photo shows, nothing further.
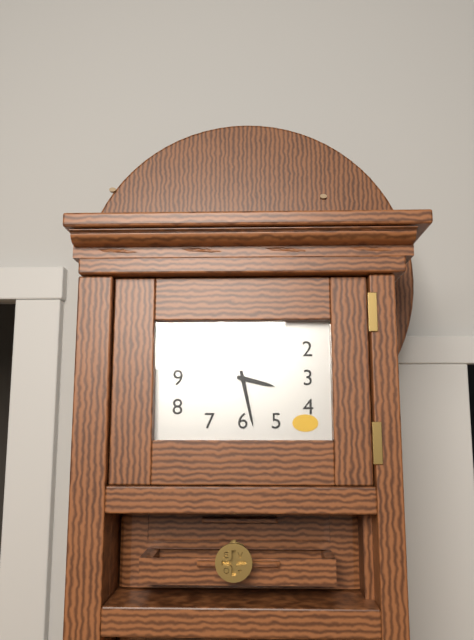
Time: **3:28**
